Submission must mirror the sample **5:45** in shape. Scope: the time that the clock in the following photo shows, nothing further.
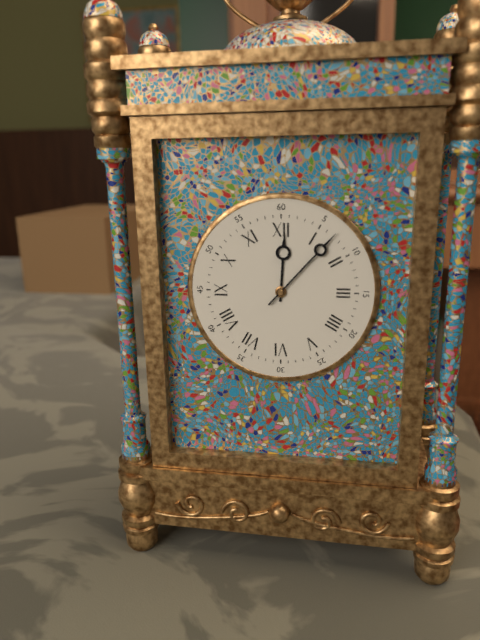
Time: **12:07**
